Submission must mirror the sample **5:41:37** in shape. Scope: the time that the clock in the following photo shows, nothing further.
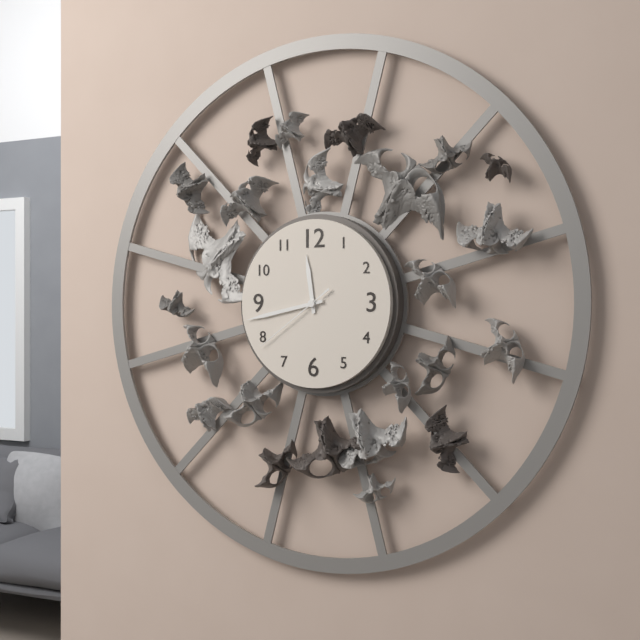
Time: **11:43:39**
